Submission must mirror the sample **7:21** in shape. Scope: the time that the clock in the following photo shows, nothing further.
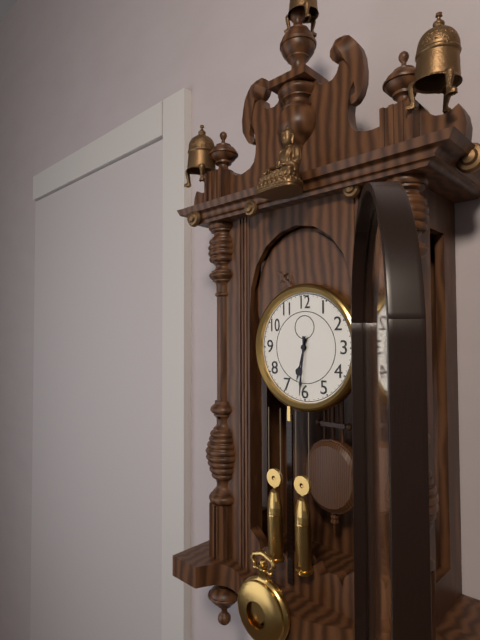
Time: **6:31**
